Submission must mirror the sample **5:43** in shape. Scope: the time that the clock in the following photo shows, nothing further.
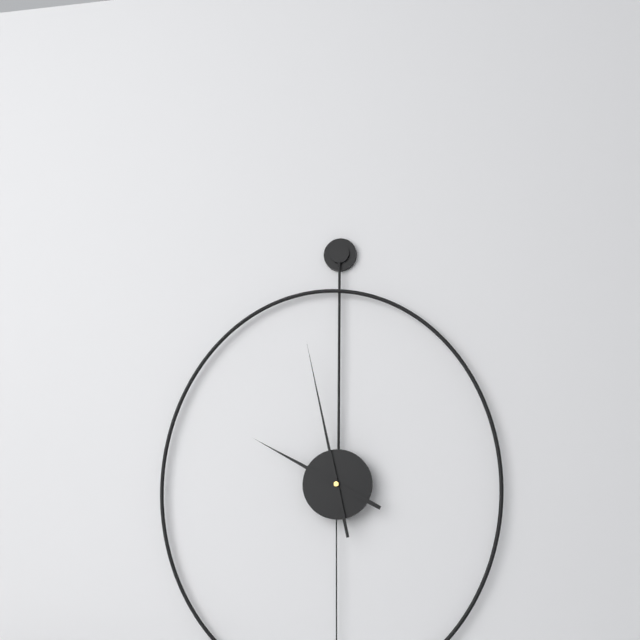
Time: **9:58**
